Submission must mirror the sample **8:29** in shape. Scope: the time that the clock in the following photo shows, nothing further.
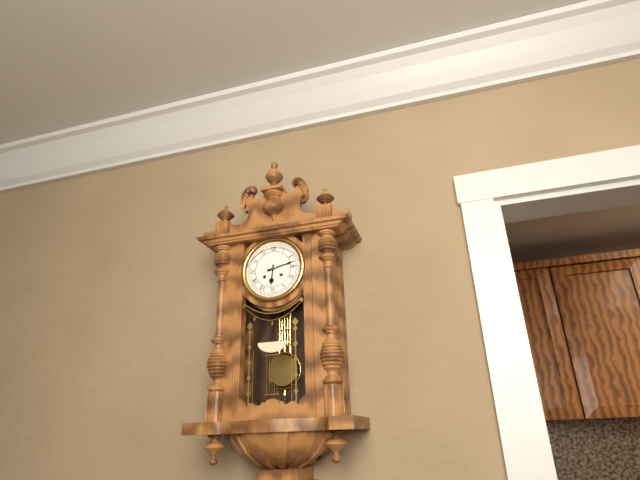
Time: **6:13**
